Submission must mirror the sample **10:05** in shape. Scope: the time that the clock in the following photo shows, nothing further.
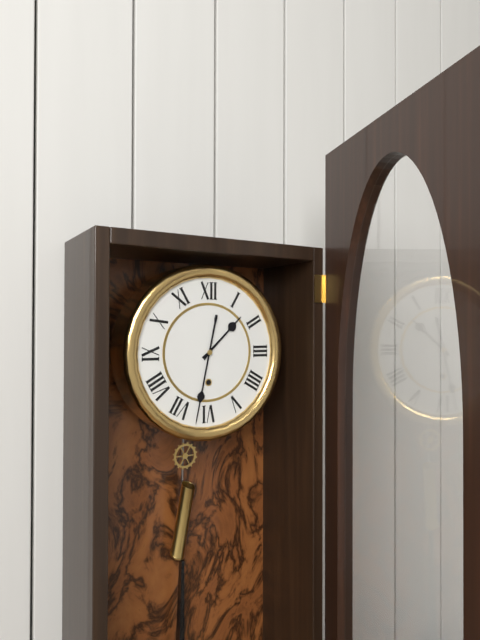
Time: **1:32**
